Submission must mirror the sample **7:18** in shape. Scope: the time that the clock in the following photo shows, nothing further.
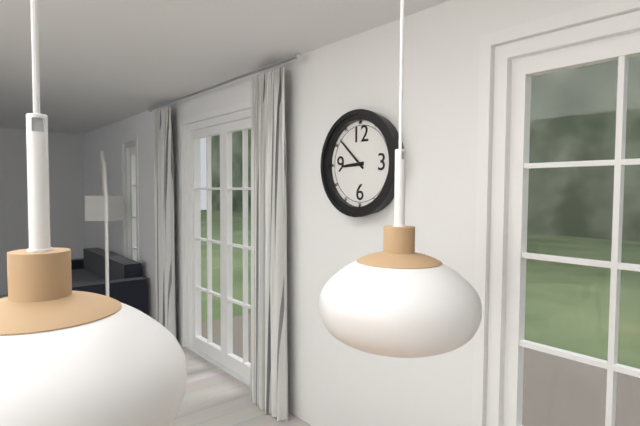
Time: **8:52**
